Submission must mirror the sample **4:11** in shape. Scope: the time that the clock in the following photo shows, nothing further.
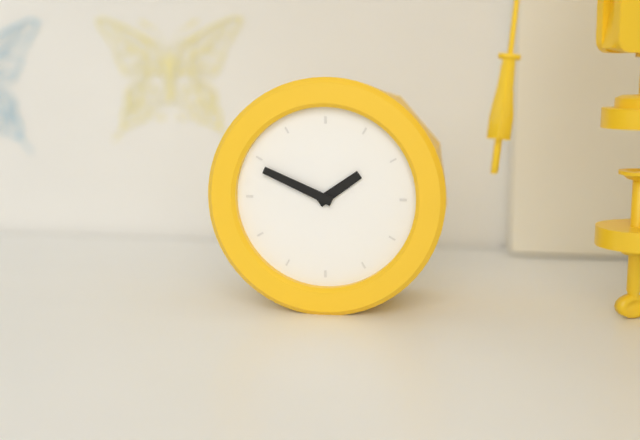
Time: **1:49**
